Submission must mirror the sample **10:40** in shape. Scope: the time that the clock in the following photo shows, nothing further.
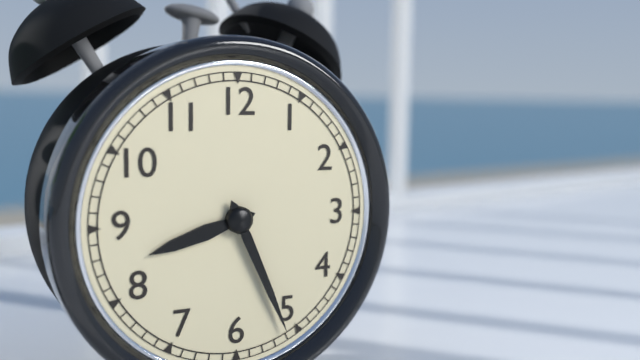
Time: **8:26**
